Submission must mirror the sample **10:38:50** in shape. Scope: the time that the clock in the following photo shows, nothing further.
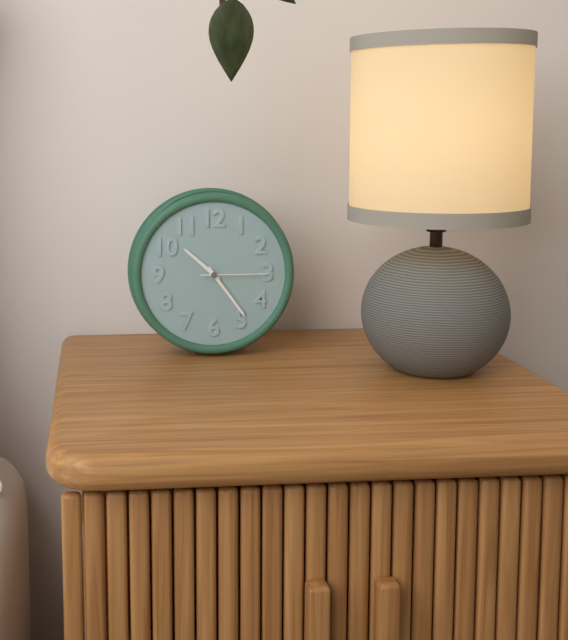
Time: **10:24:15**
